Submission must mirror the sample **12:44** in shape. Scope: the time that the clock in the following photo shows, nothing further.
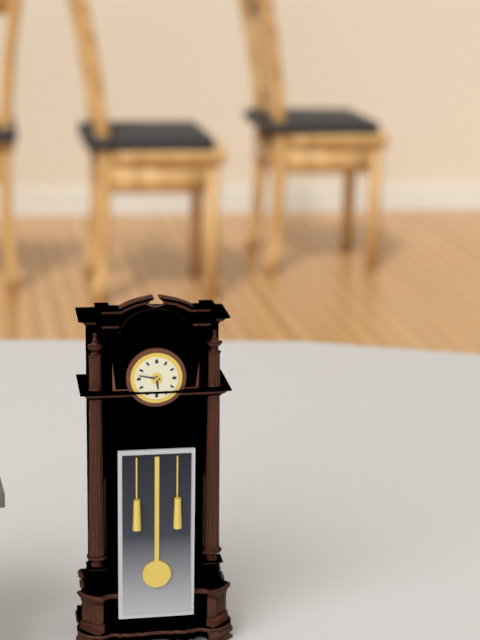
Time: **5:47**
